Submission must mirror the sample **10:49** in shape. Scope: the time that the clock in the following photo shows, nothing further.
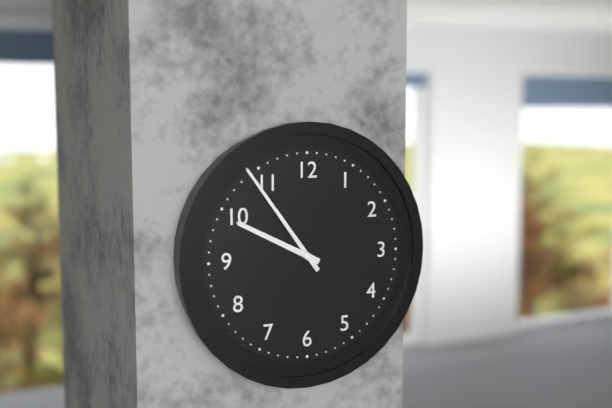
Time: **9:54**
